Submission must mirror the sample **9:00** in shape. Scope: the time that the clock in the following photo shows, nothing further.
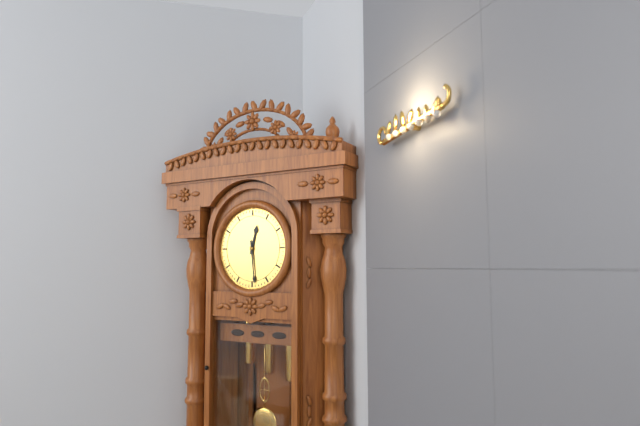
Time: **12:29**
